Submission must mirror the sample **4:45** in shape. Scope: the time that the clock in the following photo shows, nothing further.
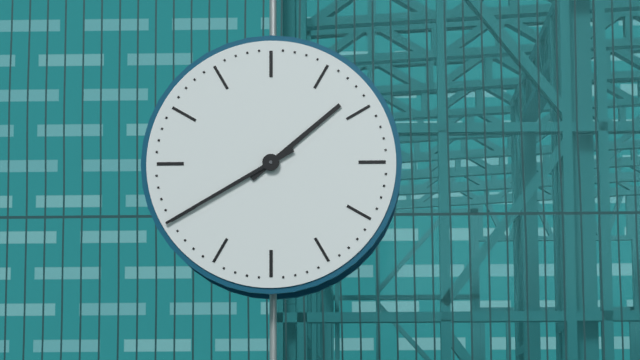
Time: **1:40**
